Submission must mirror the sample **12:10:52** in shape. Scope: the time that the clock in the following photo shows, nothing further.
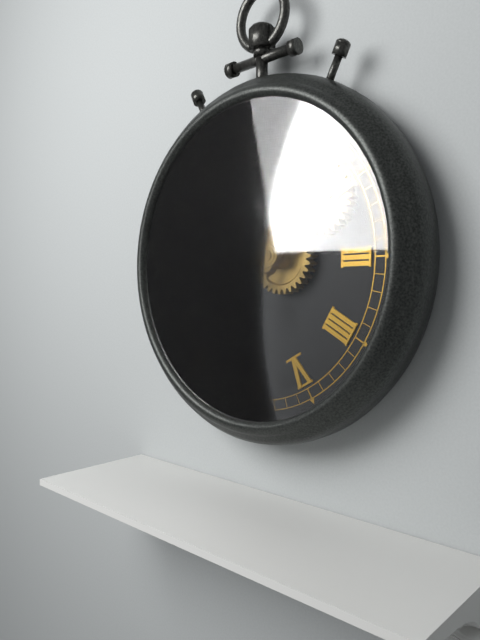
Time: **6:04:30**
